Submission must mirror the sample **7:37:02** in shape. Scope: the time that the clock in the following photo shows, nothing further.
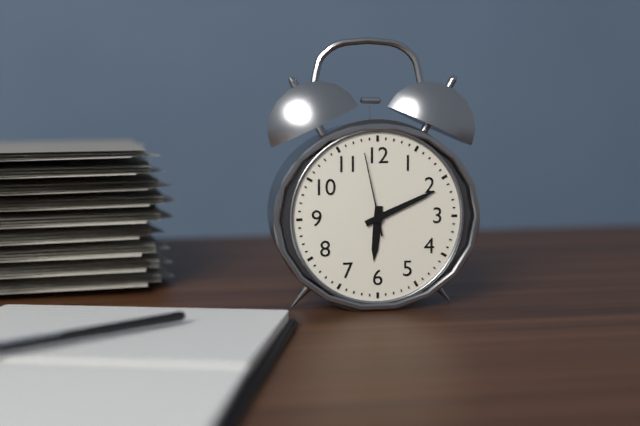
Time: **6:11:58**
